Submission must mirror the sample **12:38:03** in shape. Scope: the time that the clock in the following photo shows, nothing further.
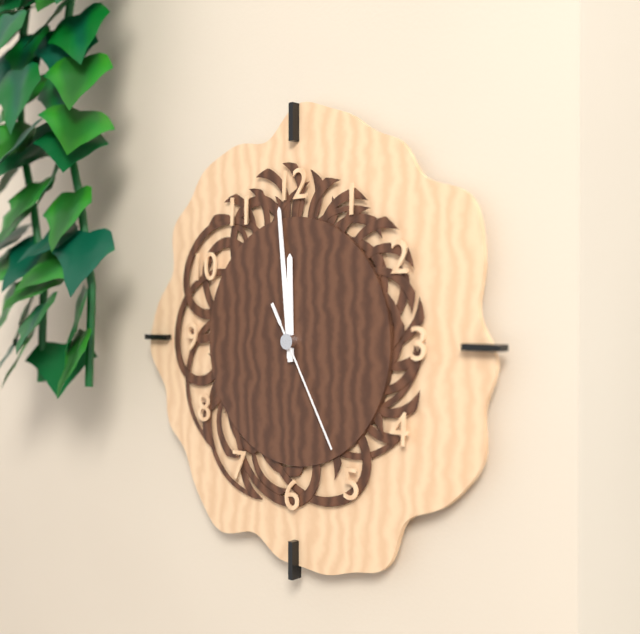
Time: **11:59:25**
